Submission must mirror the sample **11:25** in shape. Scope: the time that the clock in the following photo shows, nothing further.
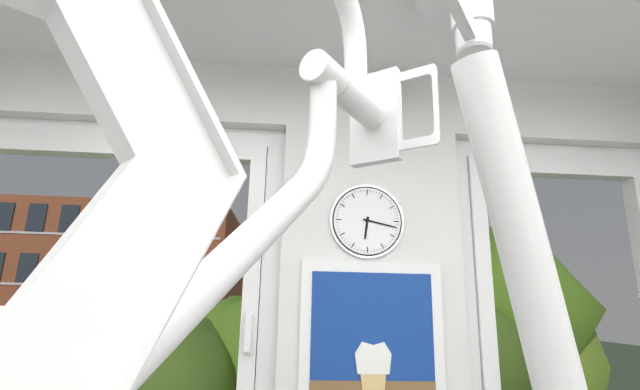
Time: **6:17**
